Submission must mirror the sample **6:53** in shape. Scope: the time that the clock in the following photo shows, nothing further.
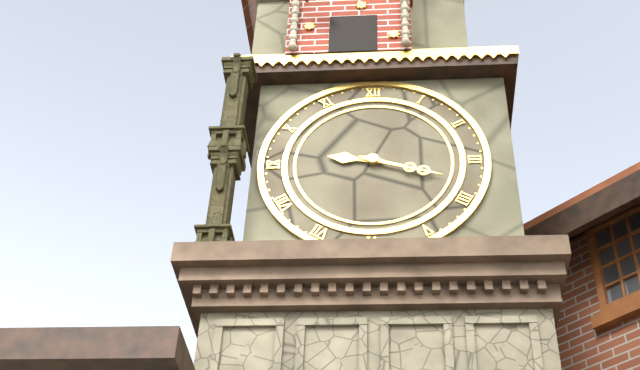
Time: **9:18**
